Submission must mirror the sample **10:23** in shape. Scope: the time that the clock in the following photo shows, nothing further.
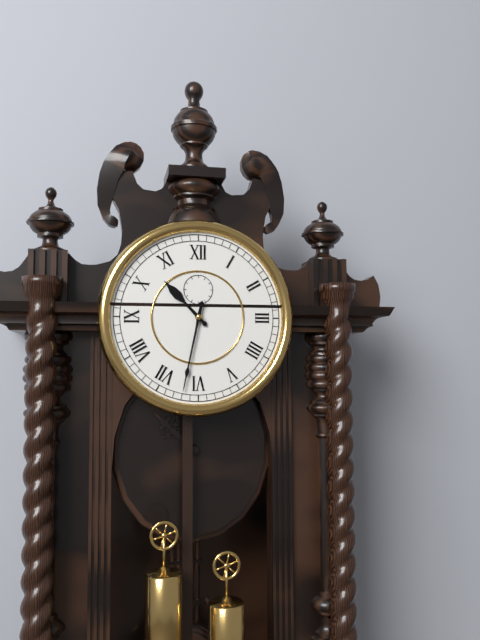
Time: **10:32**
